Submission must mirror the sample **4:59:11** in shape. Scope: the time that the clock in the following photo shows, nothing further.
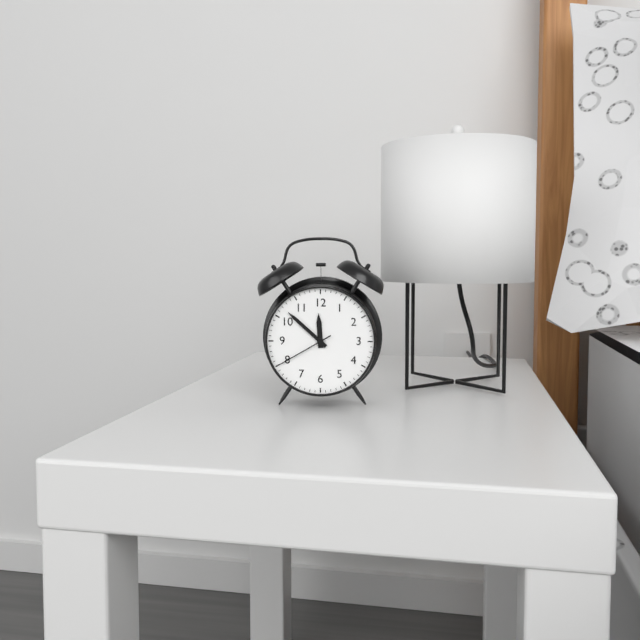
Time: **11:52:40**
